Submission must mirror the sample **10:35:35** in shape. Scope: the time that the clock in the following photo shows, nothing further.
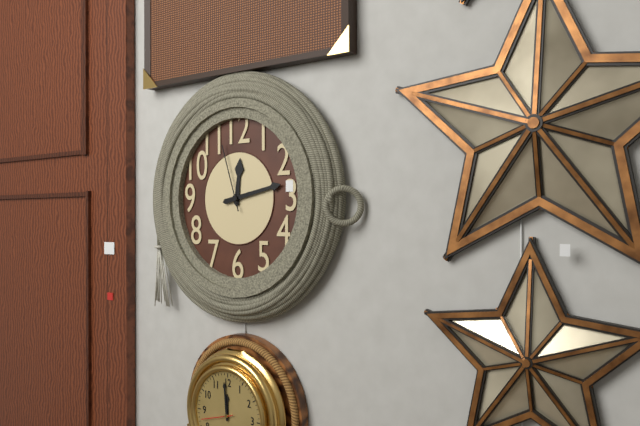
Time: **12:13:57**
